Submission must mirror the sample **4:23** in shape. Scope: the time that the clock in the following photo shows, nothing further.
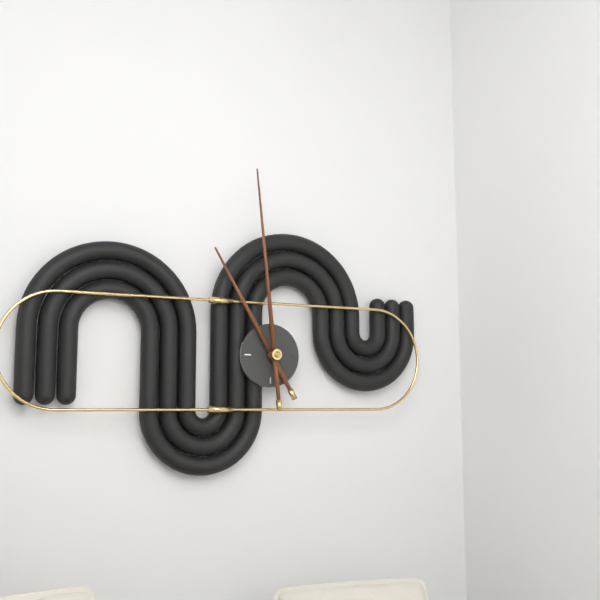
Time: **10:59**
